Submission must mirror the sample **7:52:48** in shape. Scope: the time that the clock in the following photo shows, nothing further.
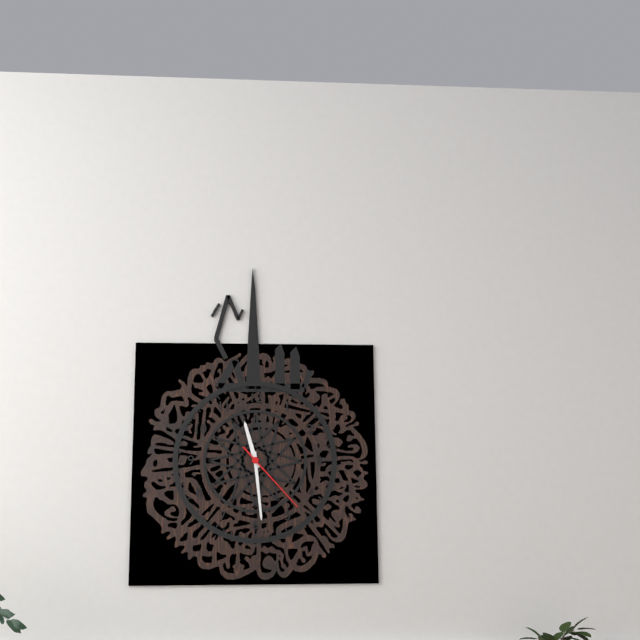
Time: **11:29:23**
